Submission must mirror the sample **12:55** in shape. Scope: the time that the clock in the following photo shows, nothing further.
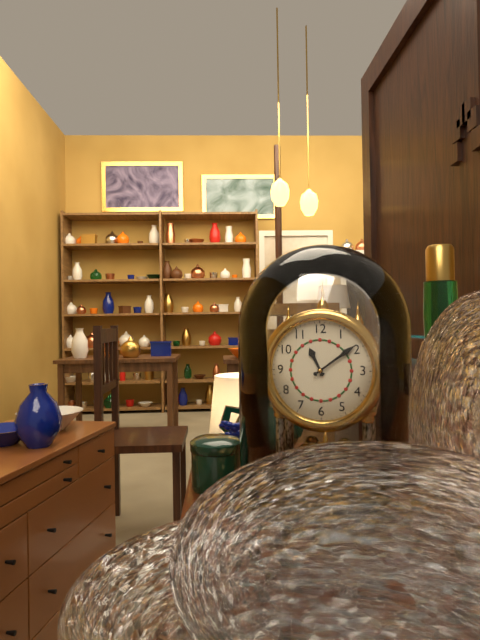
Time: **11:09**
